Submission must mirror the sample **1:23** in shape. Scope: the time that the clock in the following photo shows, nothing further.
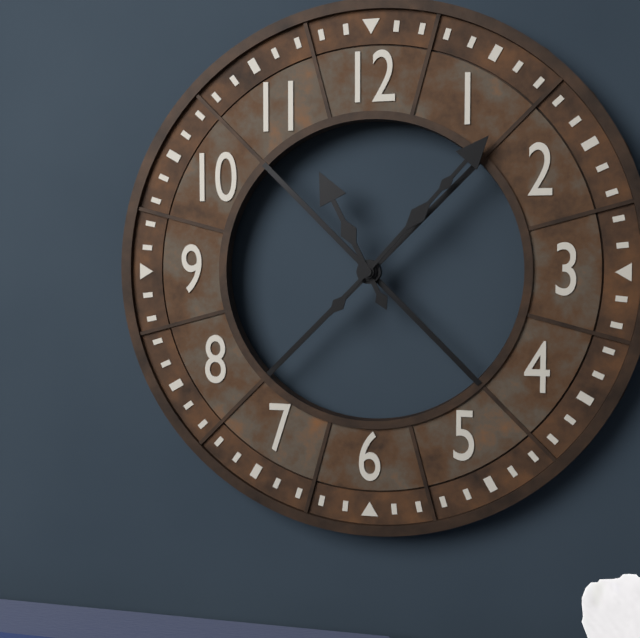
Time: **11:07**
